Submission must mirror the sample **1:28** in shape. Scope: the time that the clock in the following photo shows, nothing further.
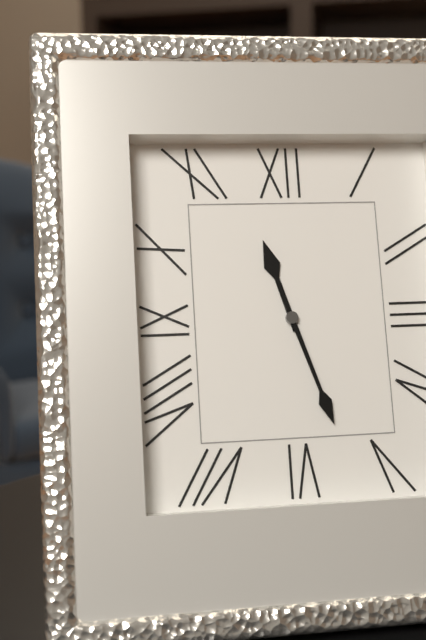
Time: **11:27**
